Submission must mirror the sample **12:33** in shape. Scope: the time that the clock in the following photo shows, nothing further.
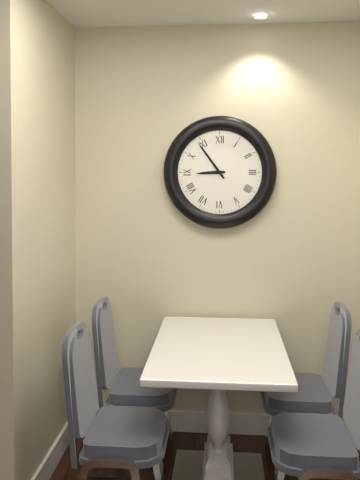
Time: **8:54**
